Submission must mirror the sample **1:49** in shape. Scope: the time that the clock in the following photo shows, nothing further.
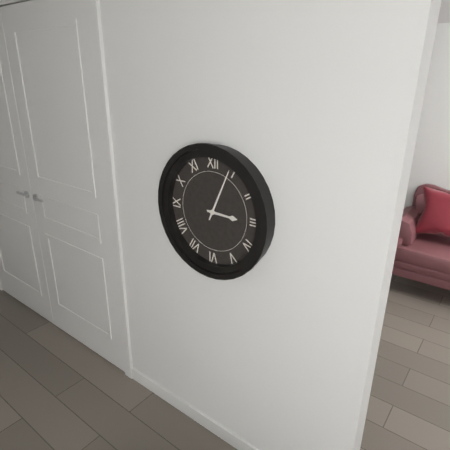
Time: **3:04**
